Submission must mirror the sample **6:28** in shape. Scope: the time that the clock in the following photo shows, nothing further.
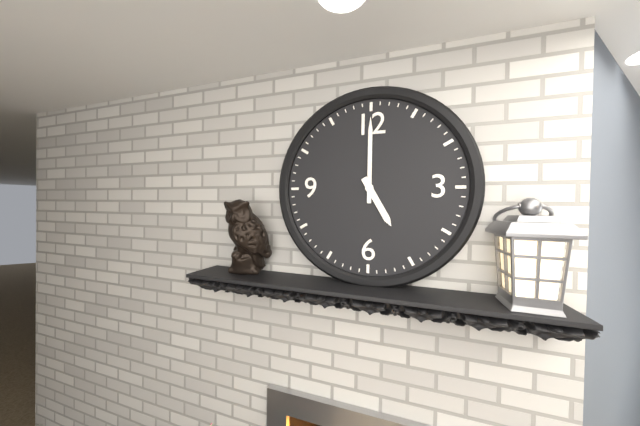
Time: **5:00**
